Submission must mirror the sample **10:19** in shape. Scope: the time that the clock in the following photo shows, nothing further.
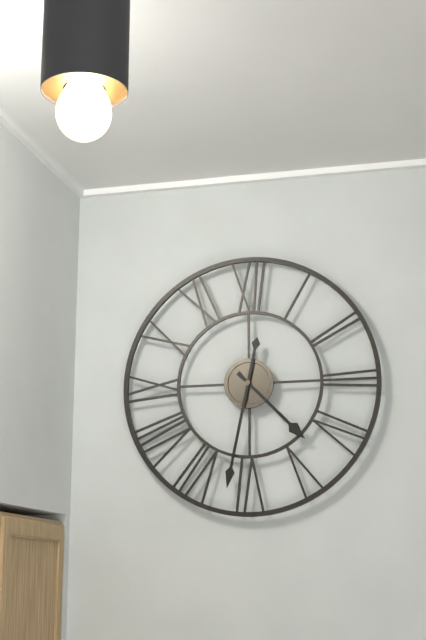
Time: **4:32**
